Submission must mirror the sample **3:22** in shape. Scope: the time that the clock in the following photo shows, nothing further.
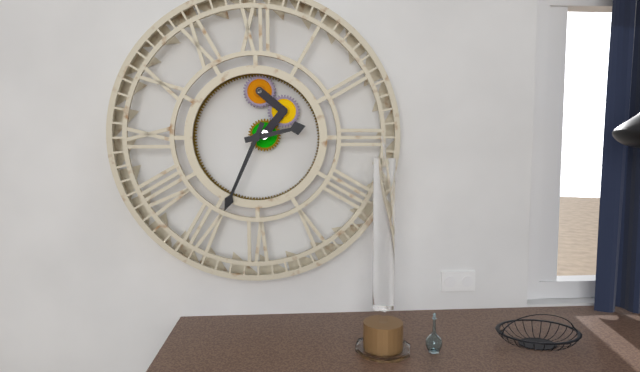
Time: **2:34**
